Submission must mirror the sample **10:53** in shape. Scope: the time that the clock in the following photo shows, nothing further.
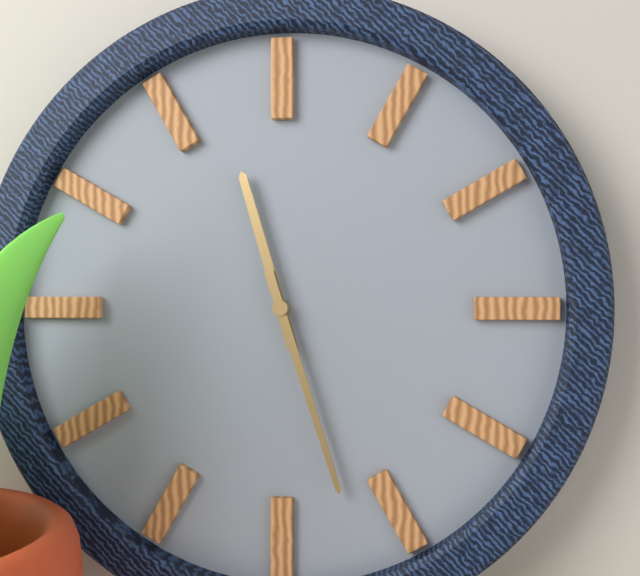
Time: **11:27**
